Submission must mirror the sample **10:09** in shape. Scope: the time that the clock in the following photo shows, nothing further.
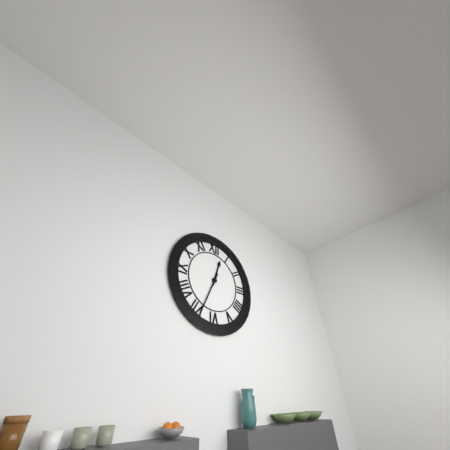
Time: **12:34**
